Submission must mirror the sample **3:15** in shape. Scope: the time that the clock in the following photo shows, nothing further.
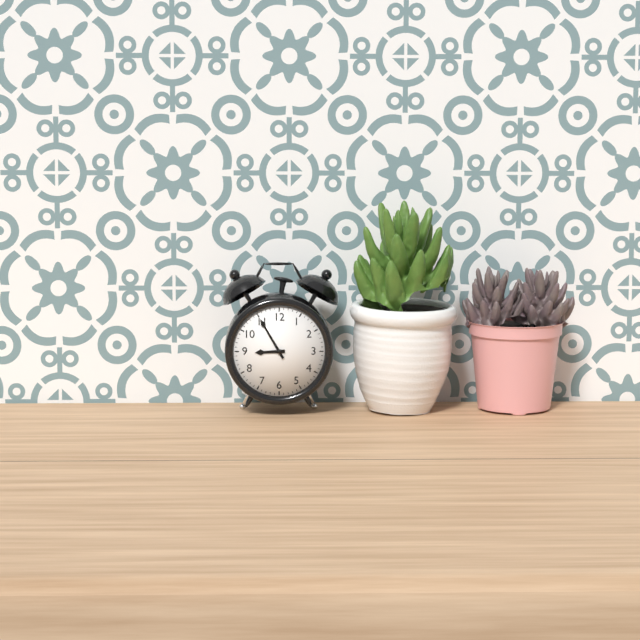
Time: **8:55**
